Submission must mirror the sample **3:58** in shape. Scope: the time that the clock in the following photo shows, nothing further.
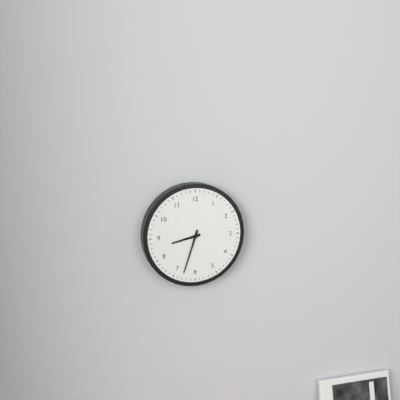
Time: **8:33**
